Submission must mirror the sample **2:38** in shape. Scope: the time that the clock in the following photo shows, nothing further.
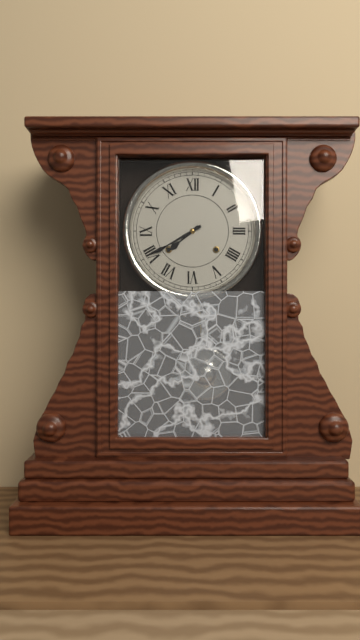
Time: **7:40**
